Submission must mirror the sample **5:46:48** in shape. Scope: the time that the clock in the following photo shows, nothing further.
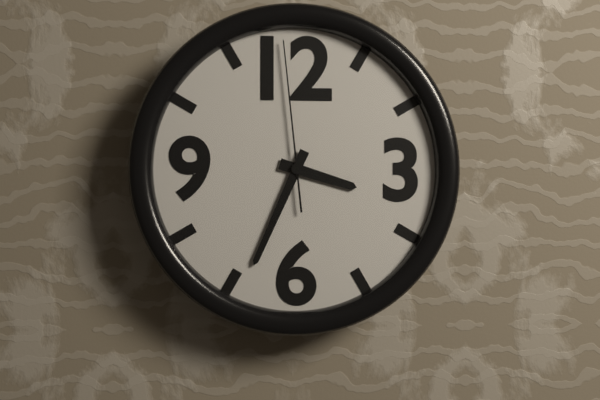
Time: **3:34:59**
